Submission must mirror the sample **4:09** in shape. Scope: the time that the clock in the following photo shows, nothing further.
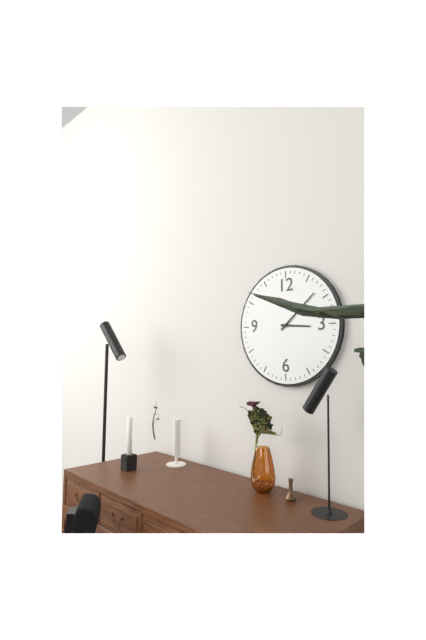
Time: **3:08**
